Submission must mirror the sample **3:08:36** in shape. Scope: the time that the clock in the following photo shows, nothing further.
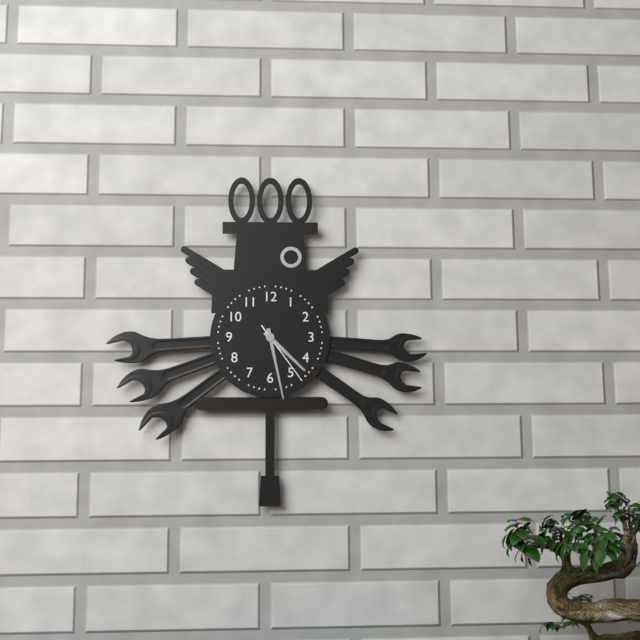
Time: **4:28:24**
